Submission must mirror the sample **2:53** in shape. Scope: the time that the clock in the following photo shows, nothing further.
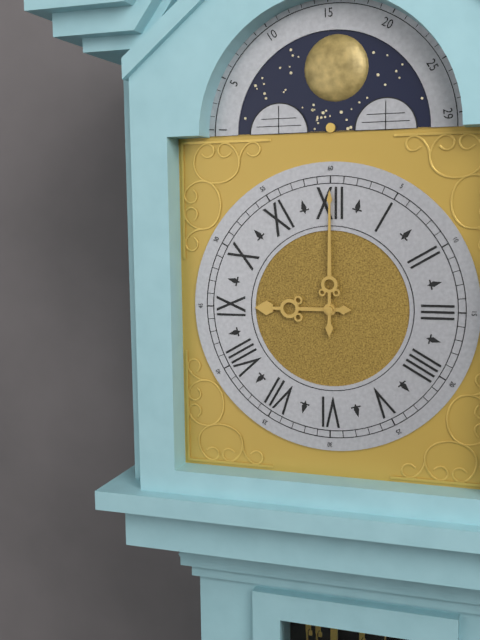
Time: **9:00**
